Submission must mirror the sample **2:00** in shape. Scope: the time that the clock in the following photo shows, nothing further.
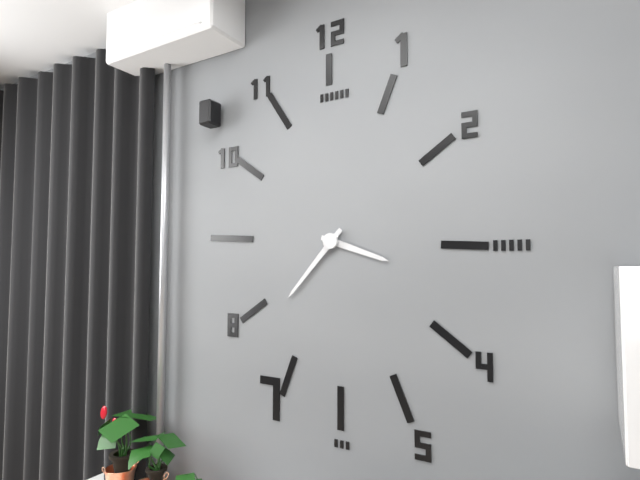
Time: **3:37**
